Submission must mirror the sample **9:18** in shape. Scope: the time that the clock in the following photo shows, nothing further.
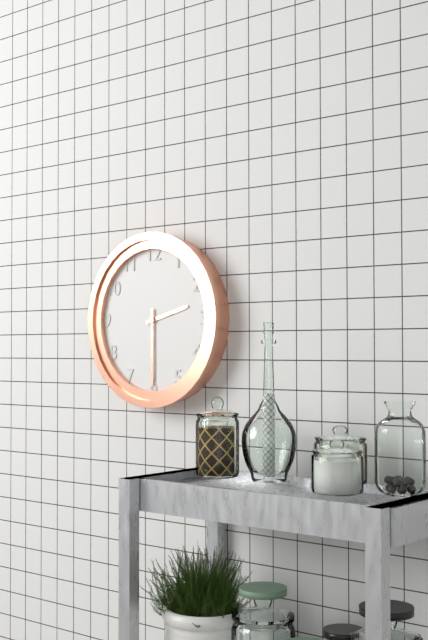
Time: **2:30**
